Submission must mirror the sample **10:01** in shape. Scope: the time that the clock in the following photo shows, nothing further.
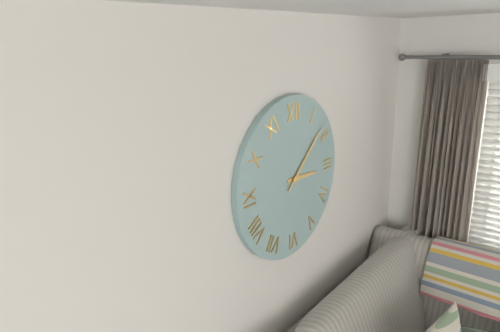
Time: **3:08**
